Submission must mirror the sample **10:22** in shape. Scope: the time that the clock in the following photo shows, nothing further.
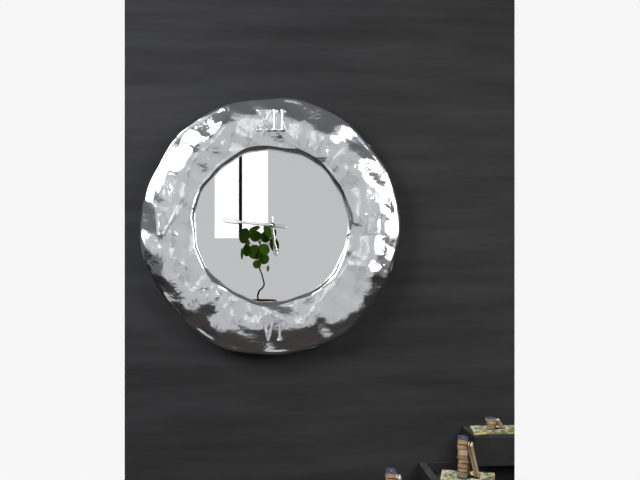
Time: **5:46**
